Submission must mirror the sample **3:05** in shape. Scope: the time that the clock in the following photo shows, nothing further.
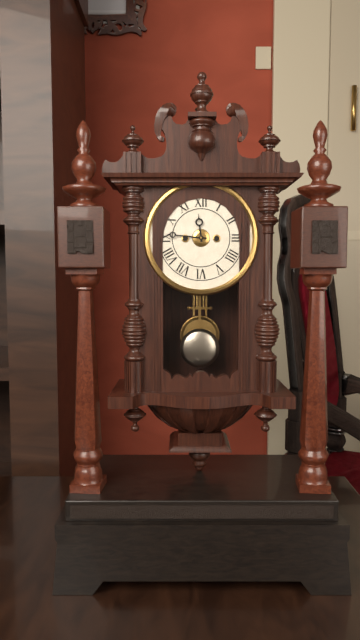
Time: **11:46**
